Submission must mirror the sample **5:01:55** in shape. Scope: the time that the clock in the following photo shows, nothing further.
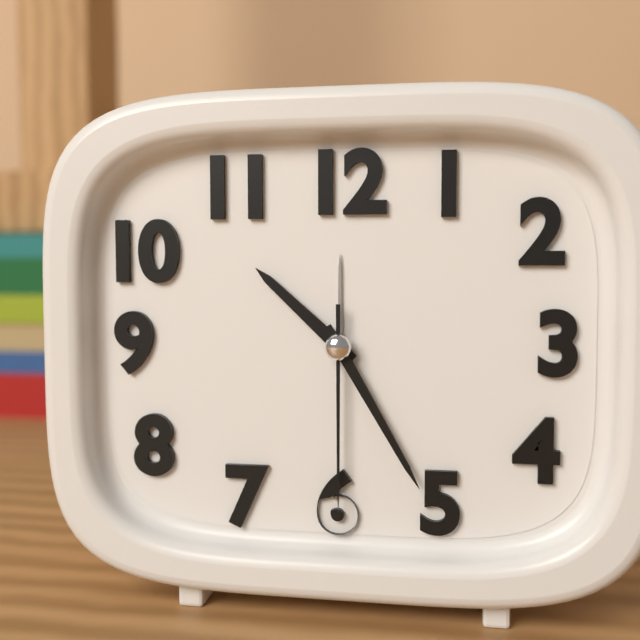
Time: **10:25:30**
